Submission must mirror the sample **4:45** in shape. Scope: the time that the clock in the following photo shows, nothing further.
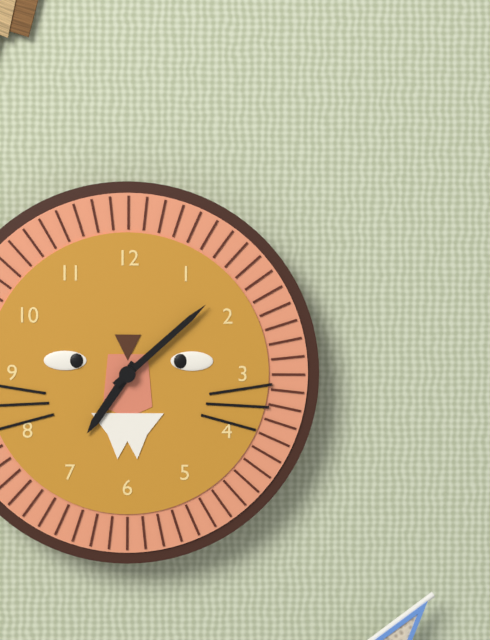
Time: **7:08**
